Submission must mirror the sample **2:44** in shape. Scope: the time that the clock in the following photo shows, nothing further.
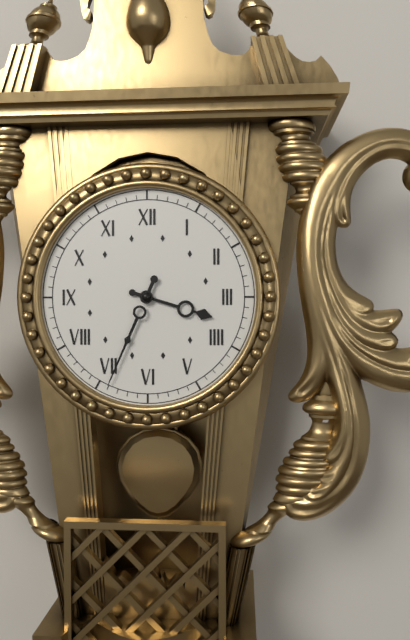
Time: **3:34**
